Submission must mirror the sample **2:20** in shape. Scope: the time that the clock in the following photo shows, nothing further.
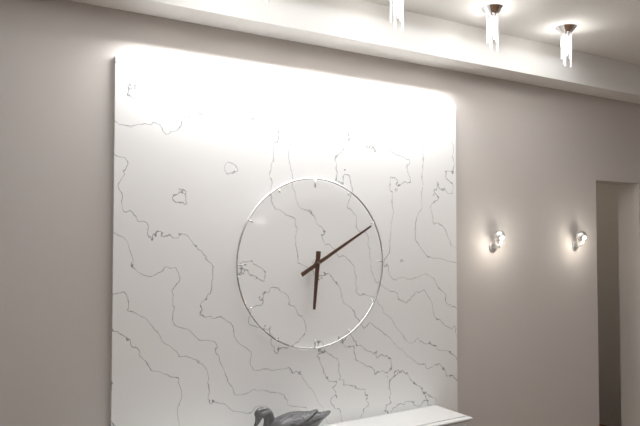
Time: **6:10**
